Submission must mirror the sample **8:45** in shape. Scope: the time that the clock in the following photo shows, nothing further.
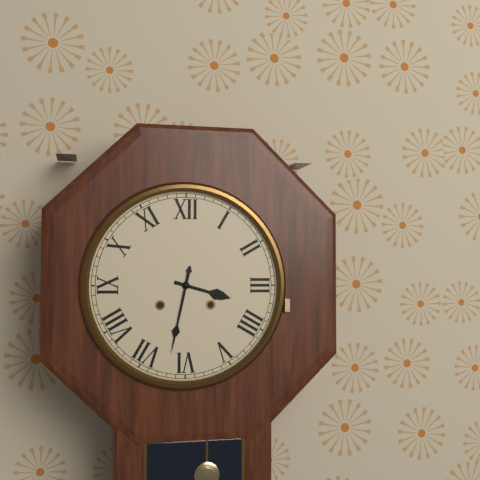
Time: **3:32**
